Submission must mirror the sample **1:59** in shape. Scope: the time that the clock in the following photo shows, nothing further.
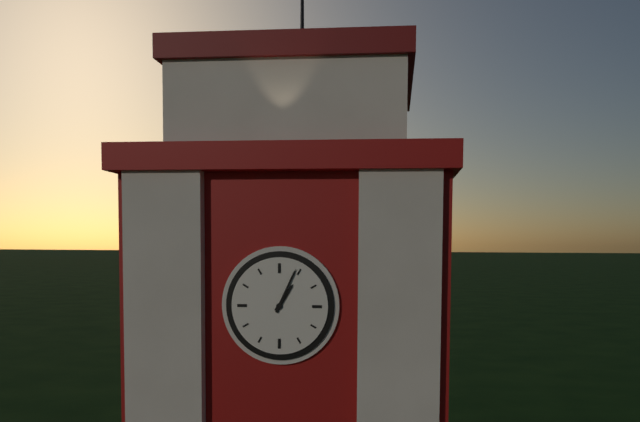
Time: **1:04**
